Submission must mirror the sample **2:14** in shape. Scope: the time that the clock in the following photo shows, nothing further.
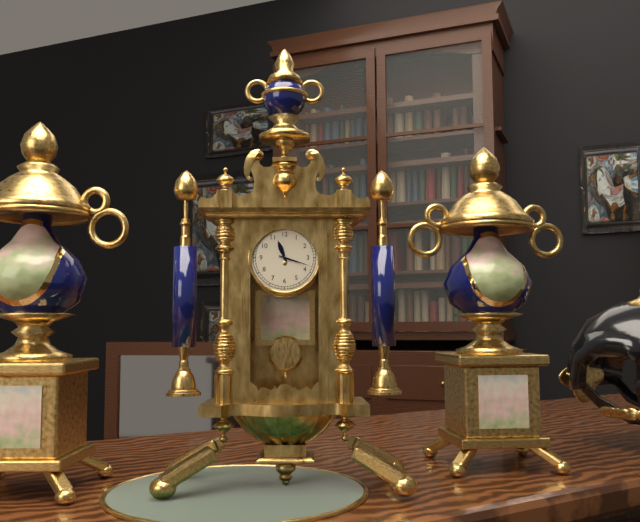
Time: **11:18**
